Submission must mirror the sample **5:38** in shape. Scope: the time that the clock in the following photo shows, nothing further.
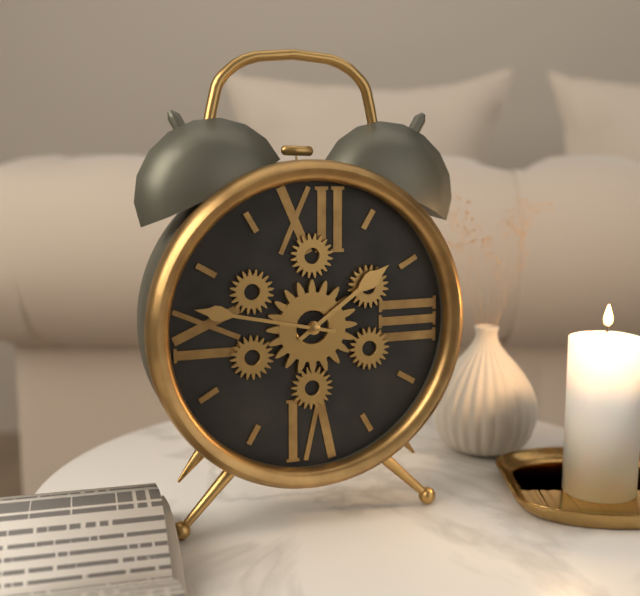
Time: **1:47**
